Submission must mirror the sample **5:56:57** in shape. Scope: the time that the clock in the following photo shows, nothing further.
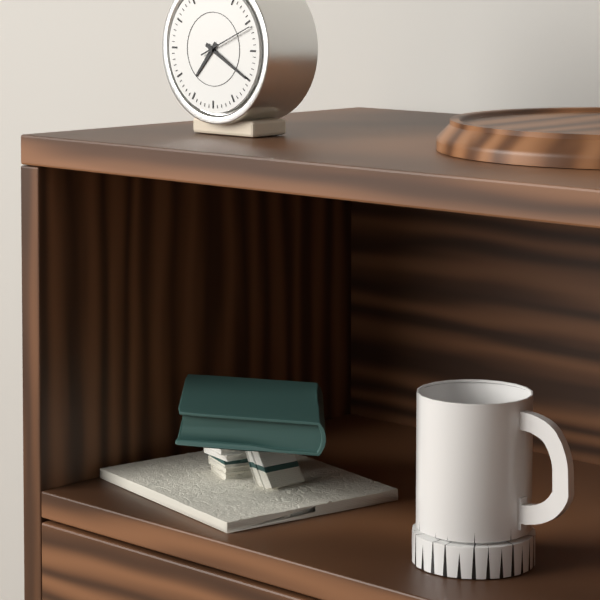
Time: **7:20:11**
